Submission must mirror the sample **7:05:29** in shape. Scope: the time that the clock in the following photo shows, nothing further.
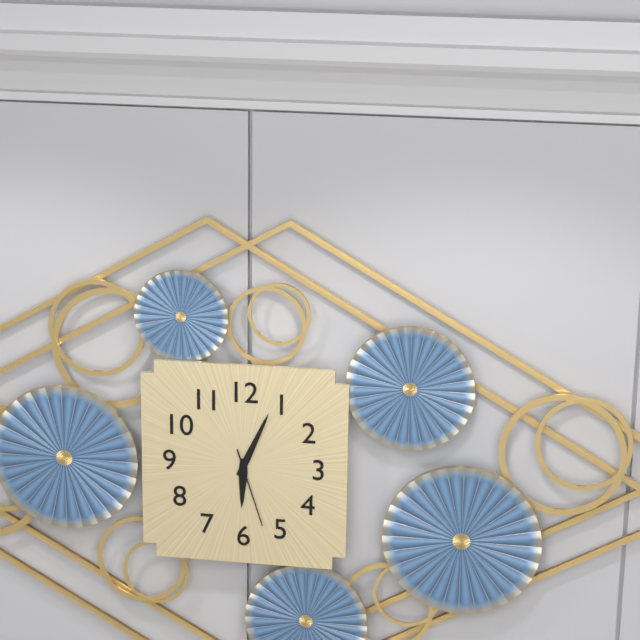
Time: **6:04:27**
